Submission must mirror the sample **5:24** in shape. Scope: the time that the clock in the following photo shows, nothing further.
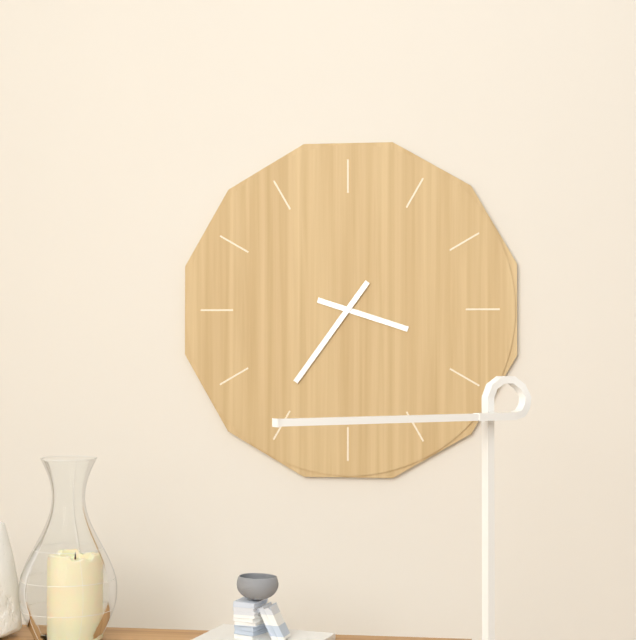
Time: **3:36**
